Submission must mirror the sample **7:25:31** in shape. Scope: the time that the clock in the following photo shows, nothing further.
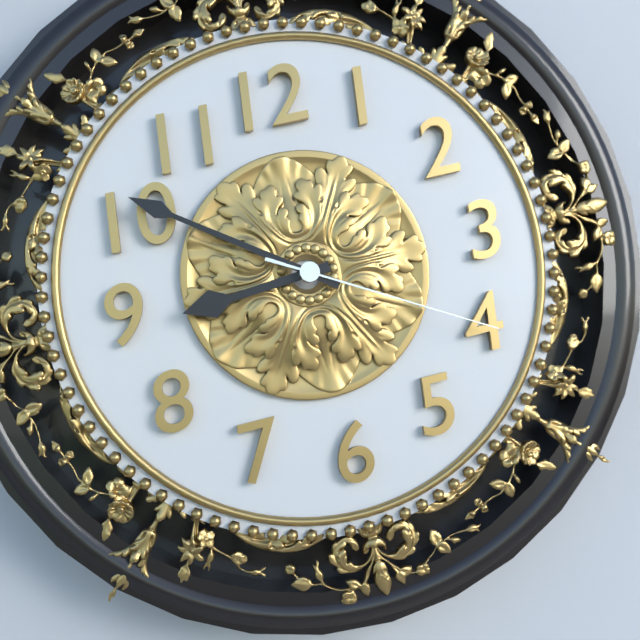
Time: **8:51:20**
